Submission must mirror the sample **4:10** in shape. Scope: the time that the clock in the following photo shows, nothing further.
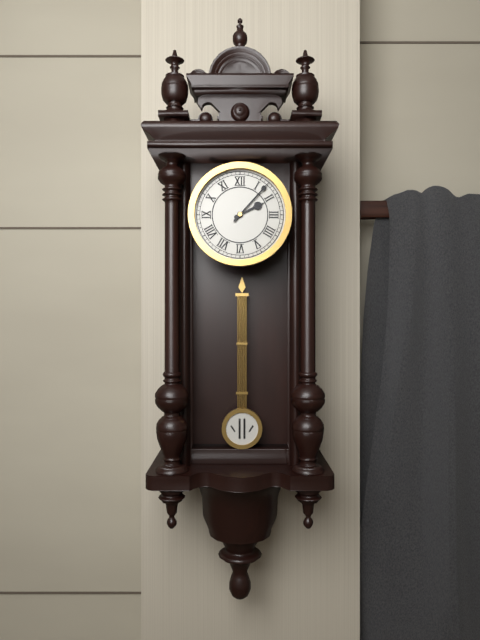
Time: **2:07**
